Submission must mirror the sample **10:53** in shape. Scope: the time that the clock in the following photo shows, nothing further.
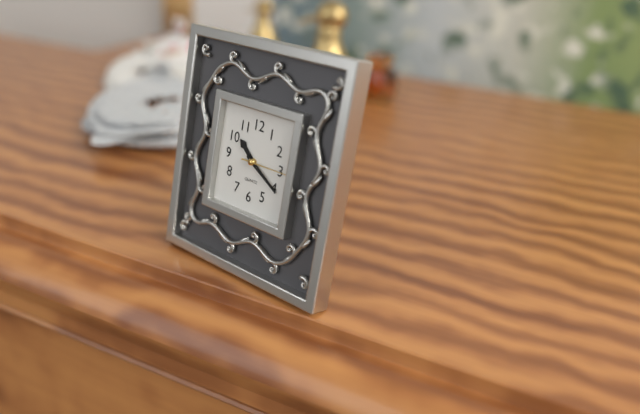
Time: **10:20**
